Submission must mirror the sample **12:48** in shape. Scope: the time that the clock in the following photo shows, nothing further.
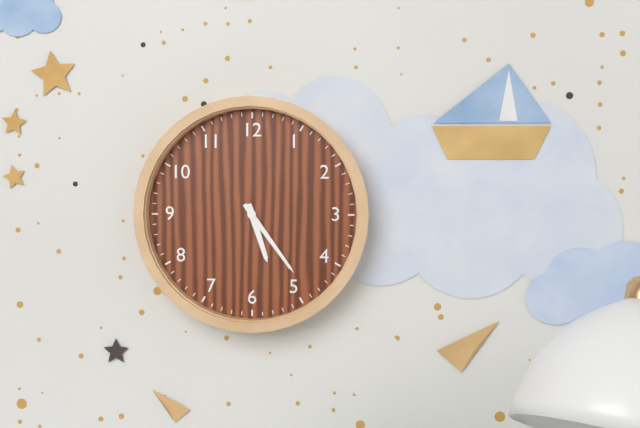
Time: **5:24**
